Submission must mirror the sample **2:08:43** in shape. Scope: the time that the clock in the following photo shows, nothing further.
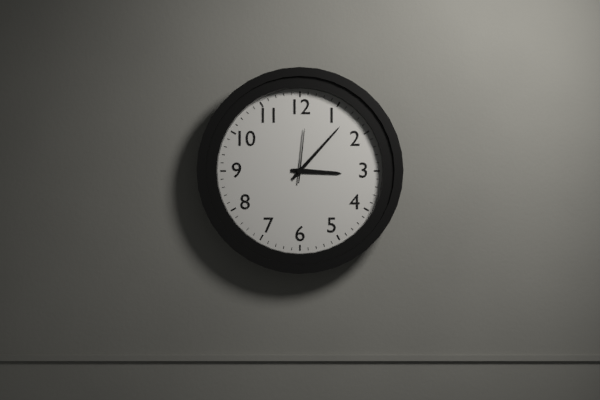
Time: **3:07:01**
